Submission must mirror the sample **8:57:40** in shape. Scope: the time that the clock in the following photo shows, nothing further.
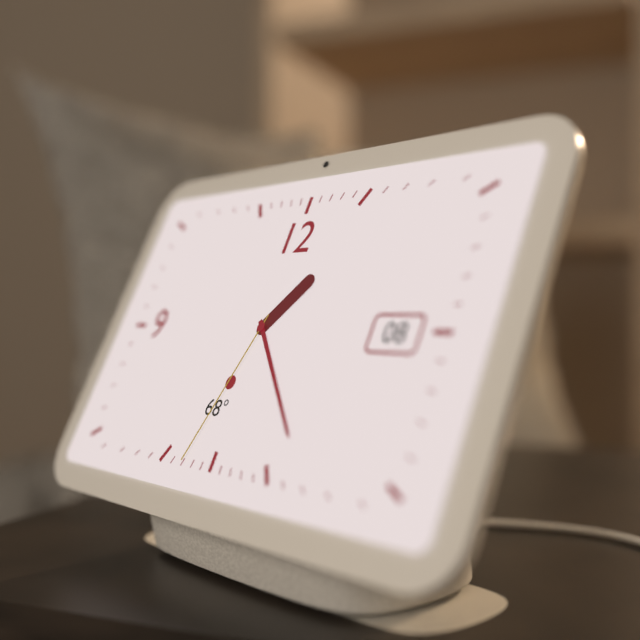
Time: **1:23:33**
